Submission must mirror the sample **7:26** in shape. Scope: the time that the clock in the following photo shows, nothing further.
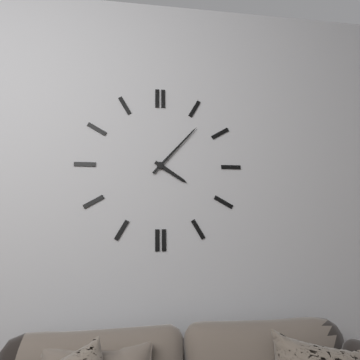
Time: **4:07**
